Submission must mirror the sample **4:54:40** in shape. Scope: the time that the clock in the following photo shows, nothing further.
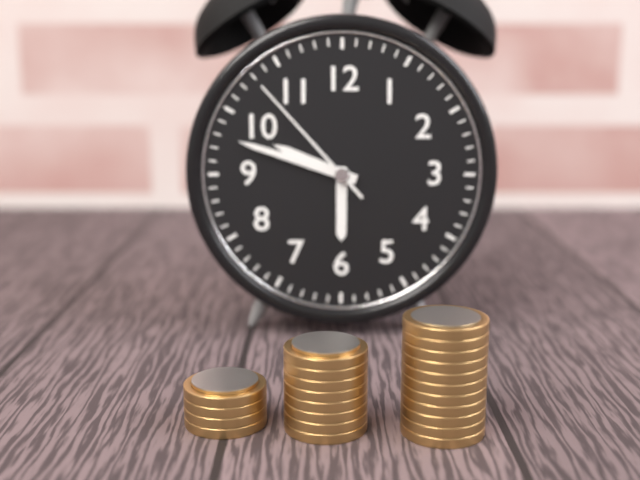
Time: **9:48:53**
